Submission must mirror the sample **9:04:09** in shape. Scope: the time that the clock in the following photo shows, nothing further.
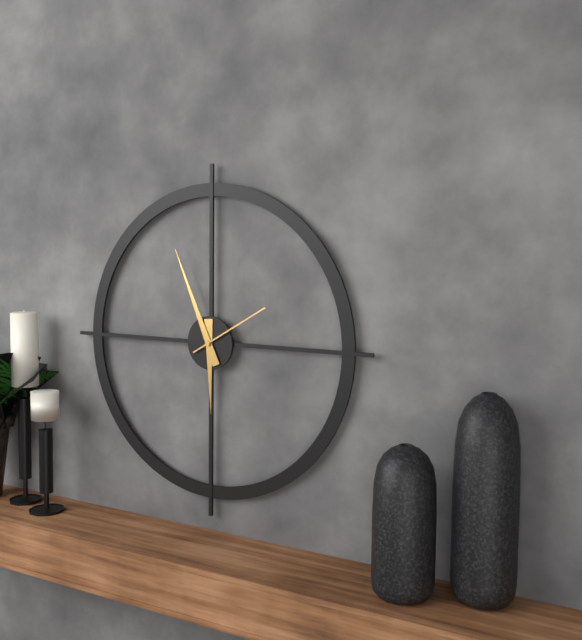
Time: **5:56:10**
